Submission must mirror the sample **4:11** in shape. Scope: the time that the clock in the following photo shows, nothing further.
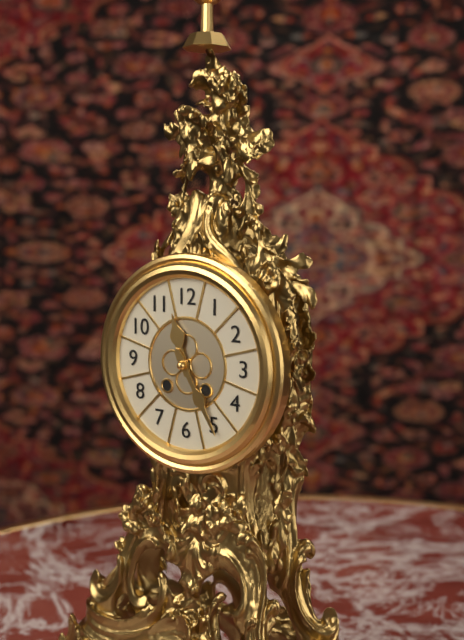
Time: **11:25**
